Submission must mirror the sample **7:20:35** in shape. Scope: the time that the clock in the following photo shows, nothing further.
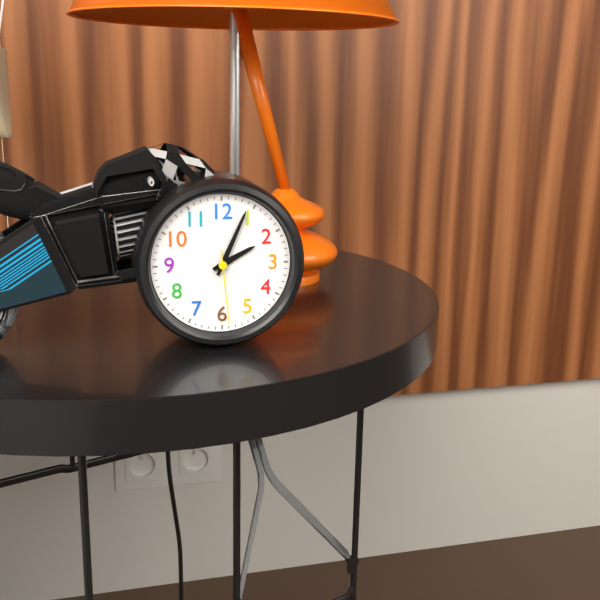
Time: **2:04:29**
